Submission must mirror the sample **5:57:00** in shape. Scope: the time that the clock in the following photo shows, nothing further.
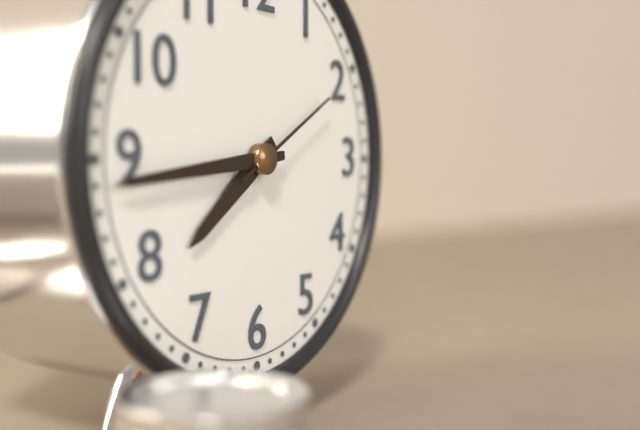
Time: **7:44:10**
